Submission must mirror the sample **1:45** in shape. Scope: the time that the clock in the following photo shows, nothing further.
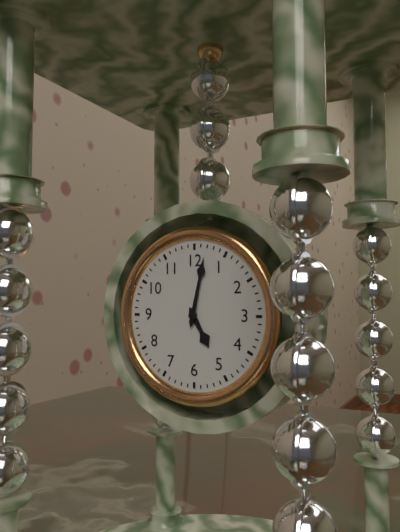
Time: **5:02**
